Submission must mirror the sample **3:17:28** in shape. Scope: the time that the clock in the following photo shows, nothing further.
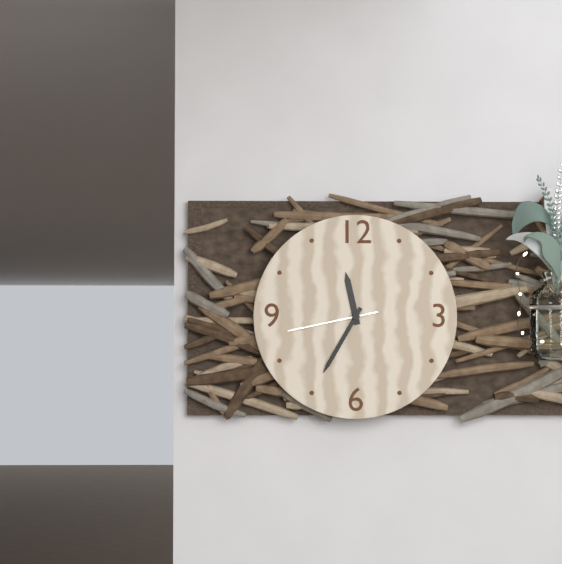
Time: **11:35:43**
